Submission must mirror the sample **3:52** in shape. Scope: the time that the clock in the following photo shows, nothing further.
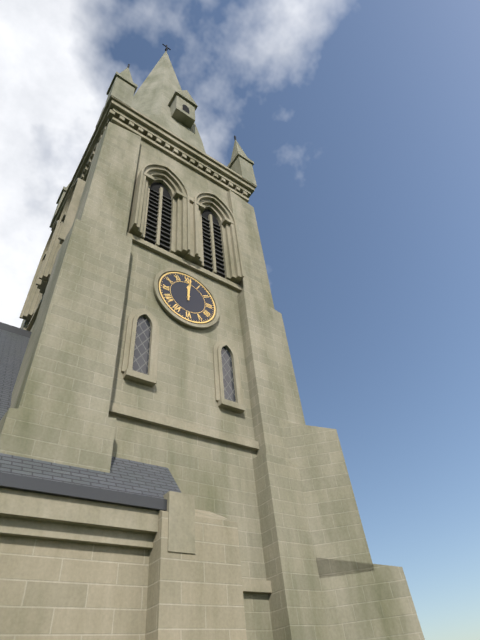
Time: **12:01**
